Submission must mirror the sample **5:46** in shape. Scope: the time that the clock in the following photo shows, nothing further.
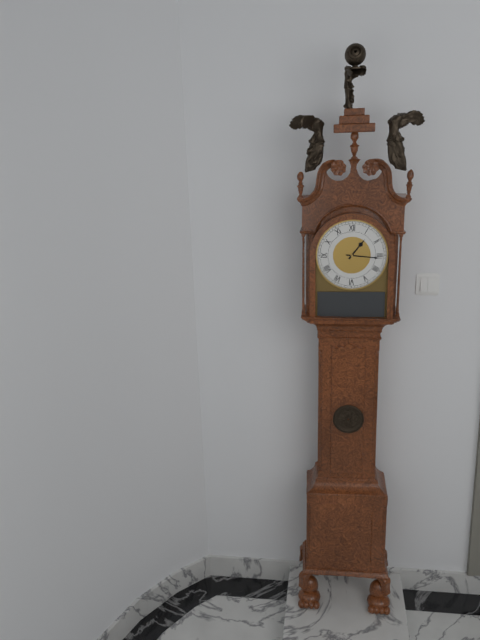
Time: **1:16**
